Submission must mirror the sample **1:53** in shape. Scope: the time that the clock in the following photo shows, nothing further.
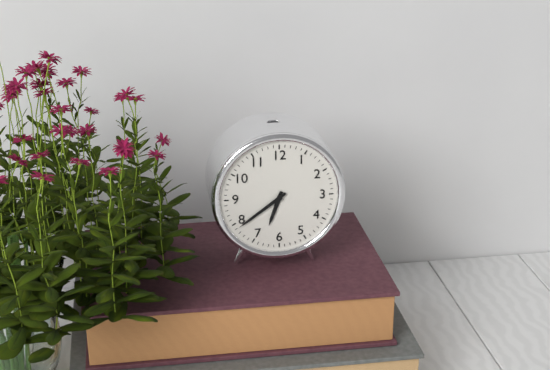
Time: **6:39**
